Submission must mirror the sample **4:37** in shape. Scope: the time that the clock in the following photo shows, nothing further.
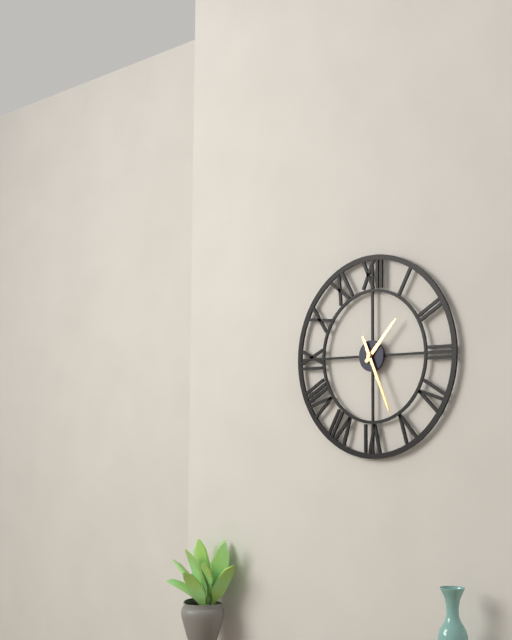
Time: **1:26**
